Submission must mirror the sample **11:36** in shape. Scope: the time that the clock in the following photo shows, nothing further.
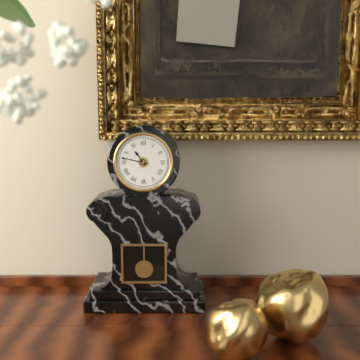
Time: **10:47**
